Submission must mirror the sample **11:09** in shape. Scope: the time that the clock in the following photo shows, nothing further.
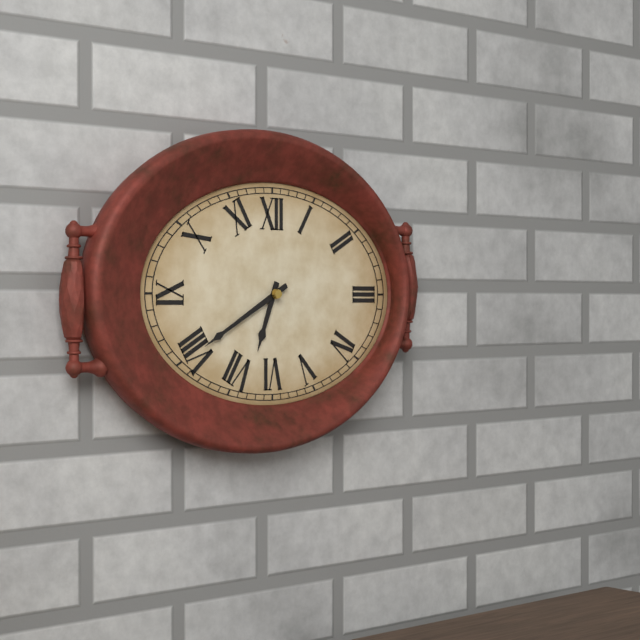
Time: **6:40**
